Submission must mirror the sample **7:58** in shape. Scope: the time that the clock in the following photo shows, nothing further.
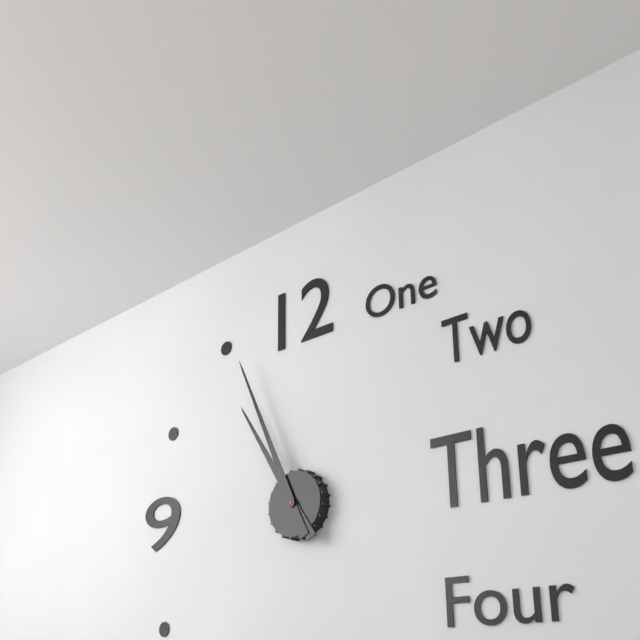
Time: **10:56**
